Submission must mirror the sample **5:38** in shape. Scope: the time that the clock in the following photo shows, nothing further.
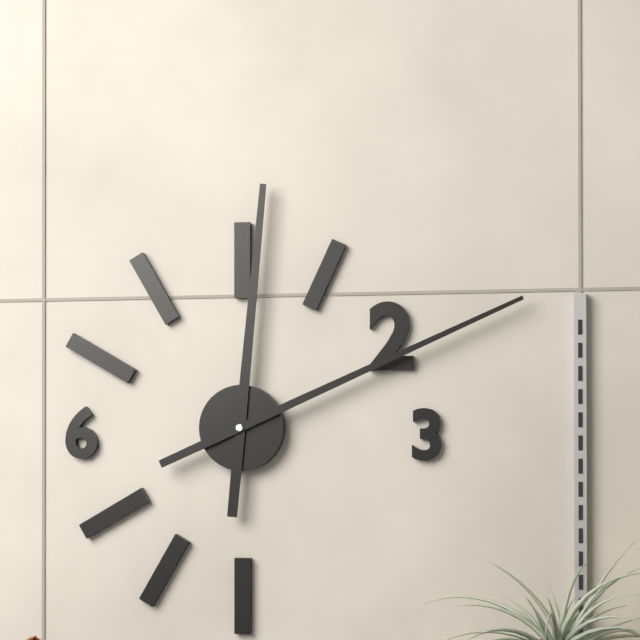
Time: **12:11**
